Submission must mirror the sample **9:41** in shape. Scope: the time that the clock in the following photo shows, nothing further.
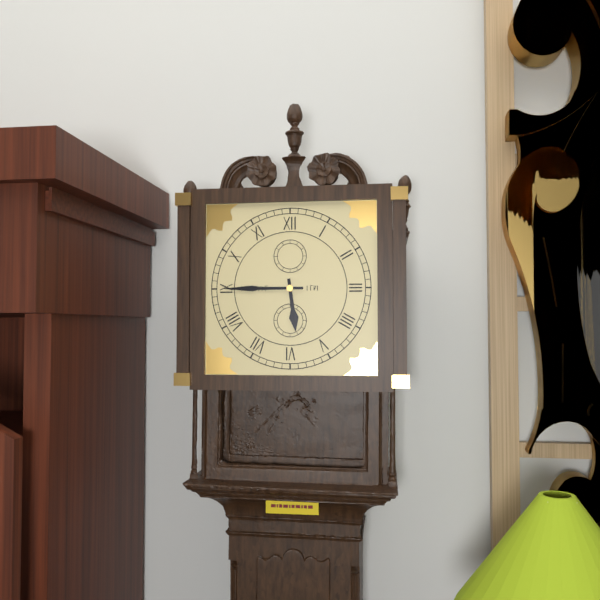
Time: **5:45**
